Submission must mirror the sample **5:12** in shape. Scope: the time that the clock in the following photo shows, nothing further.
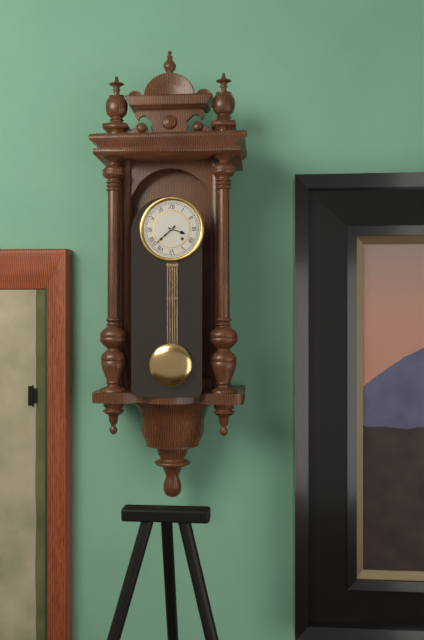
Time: **3:38**
